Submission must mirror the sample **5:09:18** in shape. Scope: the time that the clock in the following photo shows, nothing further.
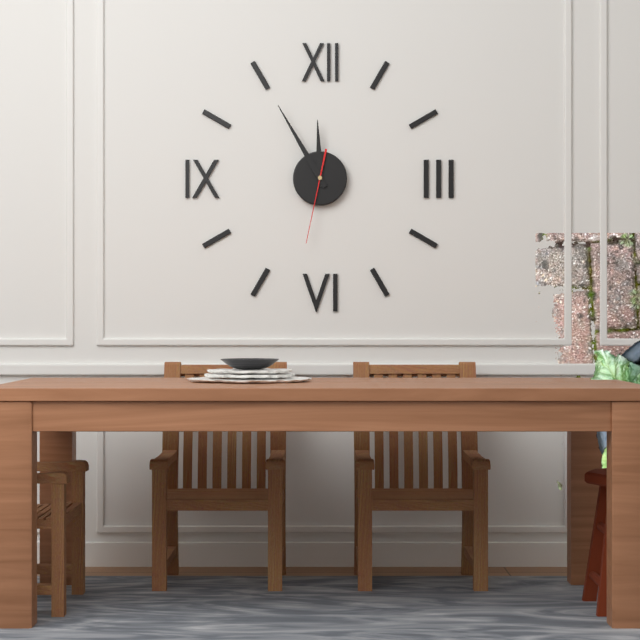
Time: **11:55:32**
